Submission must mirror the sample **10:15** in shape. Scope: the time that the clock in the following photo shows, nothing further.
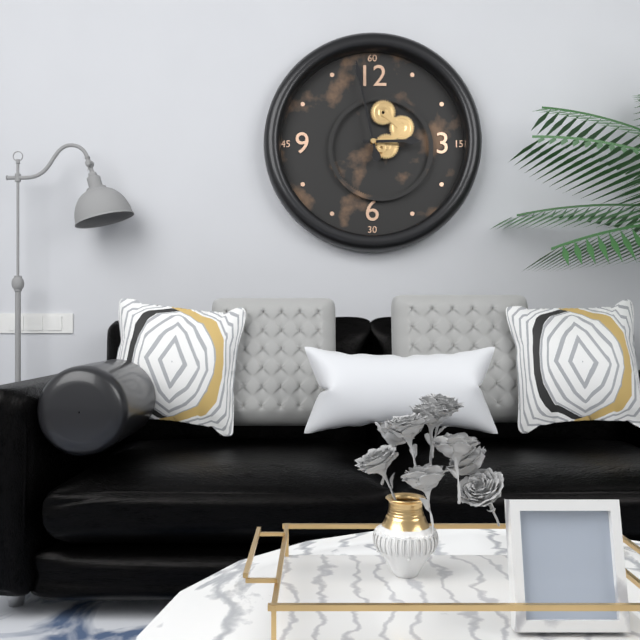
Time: **2:58**
